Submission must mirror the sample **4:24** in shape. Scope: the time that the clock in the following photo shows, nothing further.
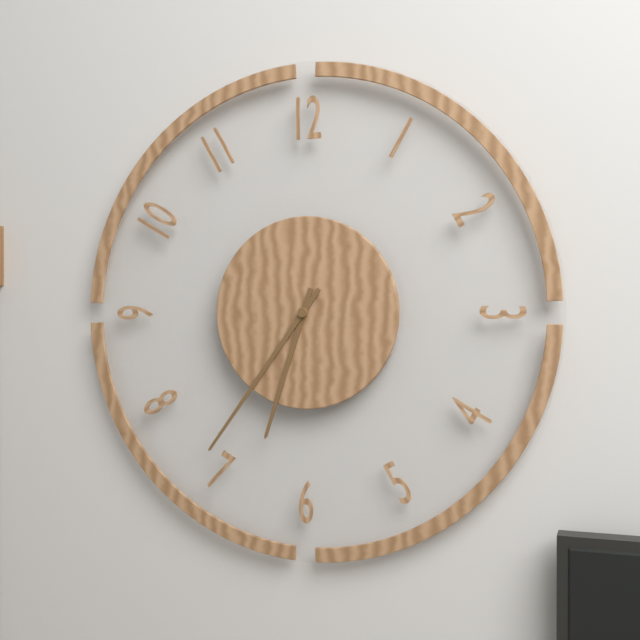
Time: **6:36**
